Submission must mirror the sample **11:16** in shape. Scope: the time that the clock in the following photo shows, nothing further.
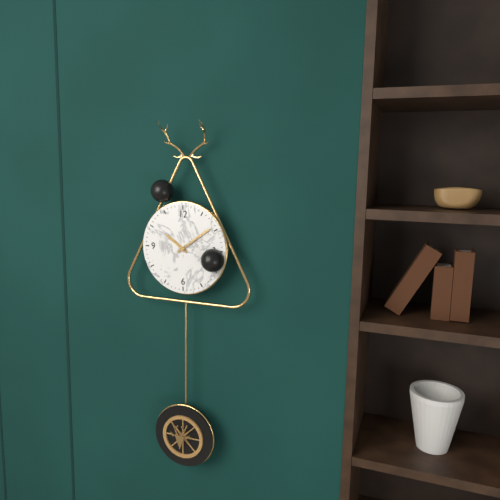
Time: **10:09**
